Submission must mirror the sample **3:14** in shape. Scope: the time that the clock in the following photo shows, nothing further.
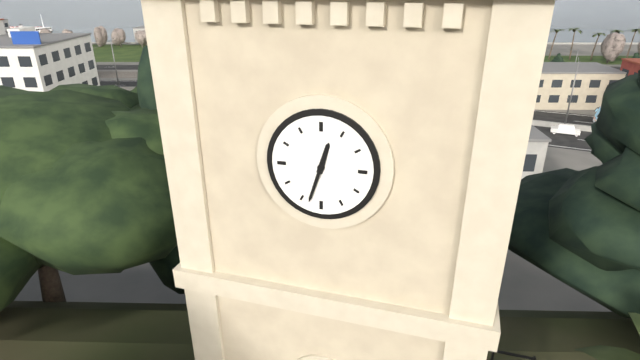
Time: **12:33**
